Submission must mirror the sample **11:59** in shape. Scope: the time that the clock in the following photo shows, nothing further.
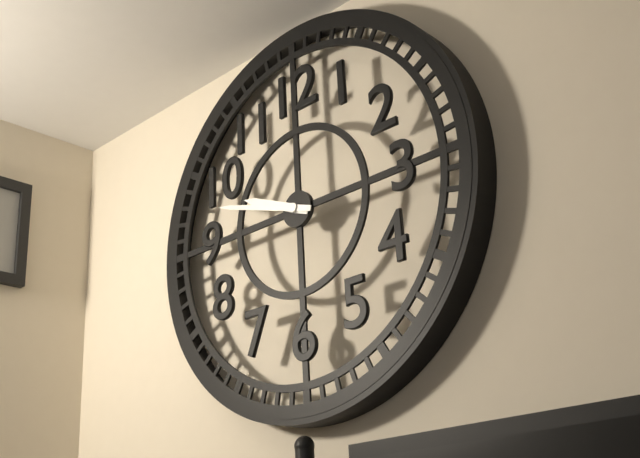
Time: **9:48**
